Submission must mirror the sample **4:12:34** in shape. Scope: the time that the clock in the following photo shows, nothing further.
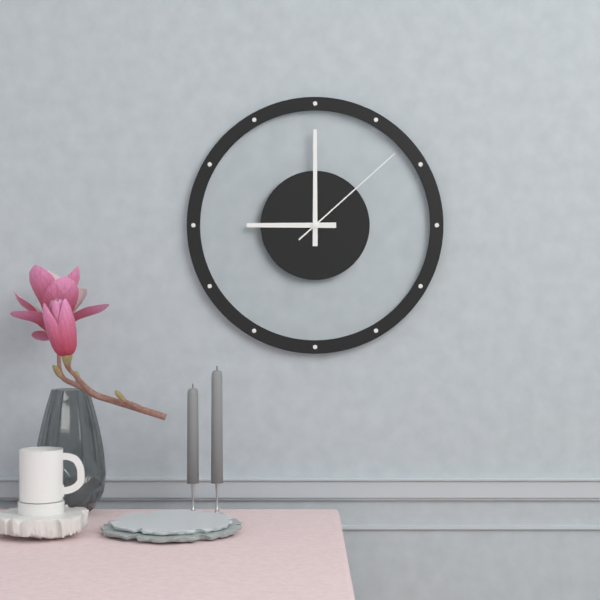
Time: **9:00:08**
